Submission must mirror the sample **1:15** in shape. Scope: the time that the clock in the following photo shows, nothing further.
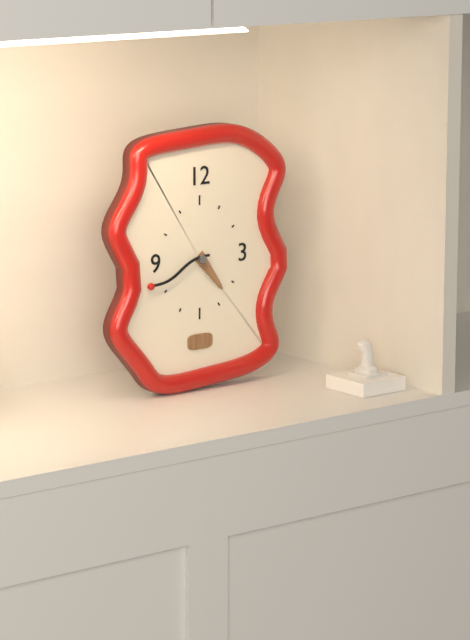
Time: **4:42**
